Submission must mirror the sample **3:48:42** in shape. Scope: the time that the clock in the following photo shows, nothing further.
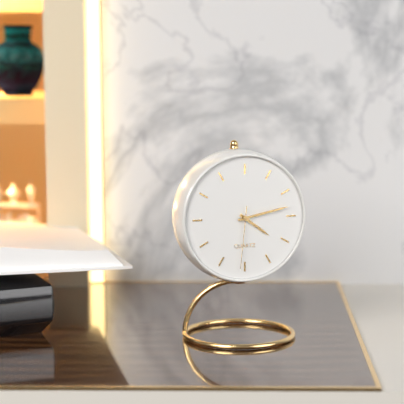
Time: **4:13:31**
